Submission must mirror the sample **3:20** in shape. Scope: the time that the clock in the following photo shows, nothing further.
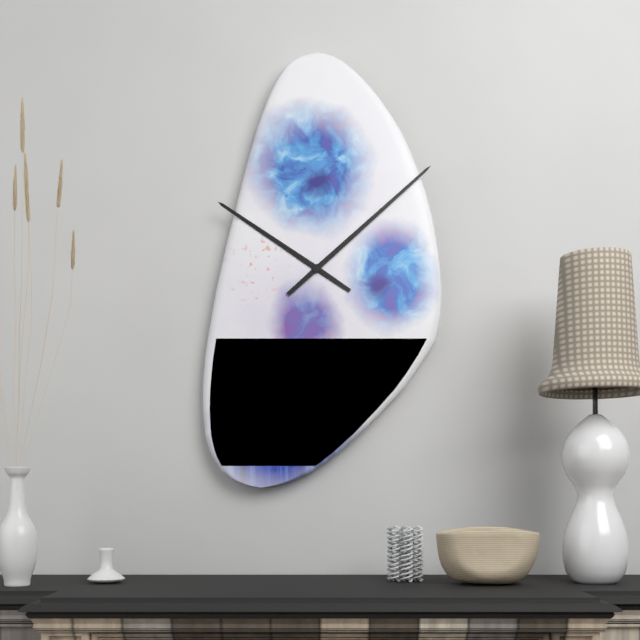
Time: **10:08**
